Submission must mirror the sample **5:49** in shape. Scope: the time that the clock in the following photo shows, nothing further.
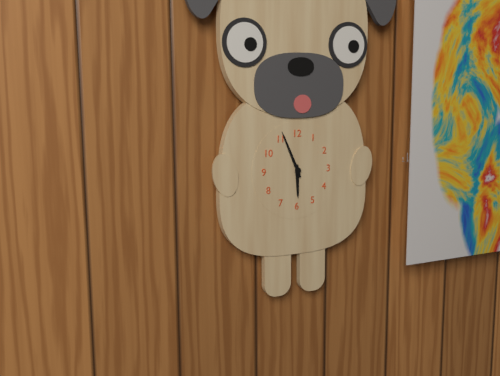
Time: **5:56**
